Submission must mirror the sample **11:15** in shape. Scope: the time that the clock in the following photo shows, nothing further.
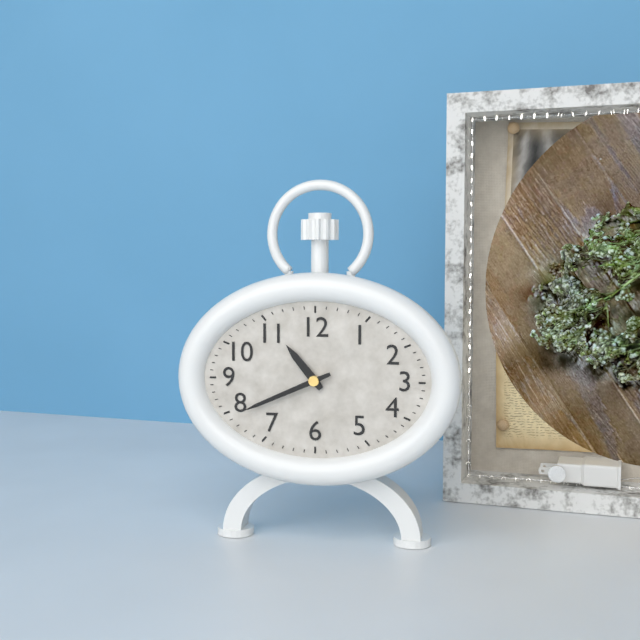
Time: **10:41**
